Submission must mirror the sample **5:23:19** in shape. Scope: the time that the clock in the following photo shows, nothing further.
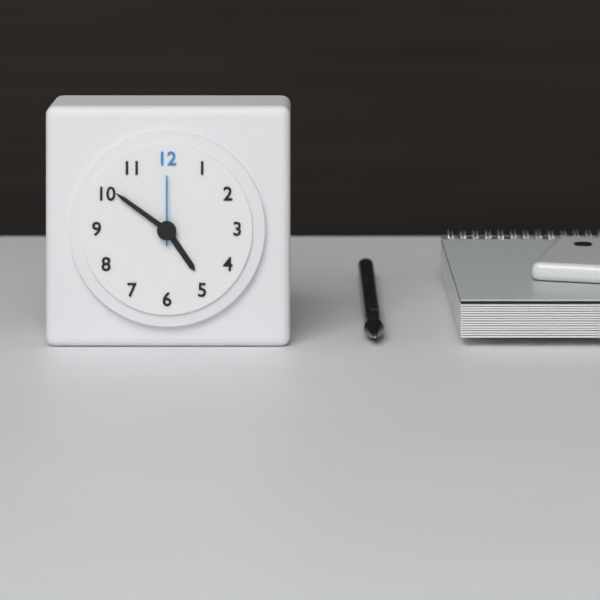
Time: **4:51:00**
